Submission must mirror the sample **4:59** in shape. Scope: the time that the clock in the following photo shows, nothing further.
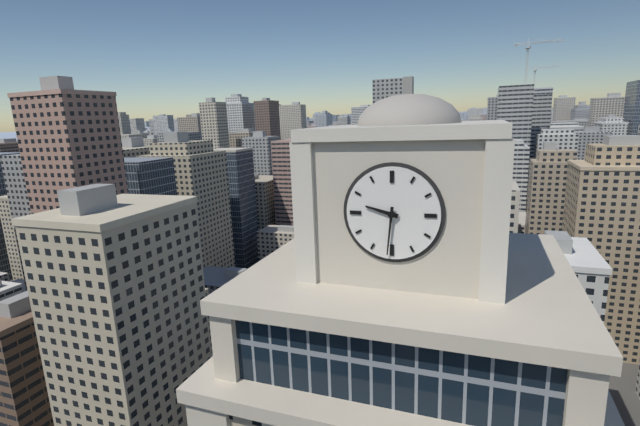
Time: **9:31**
